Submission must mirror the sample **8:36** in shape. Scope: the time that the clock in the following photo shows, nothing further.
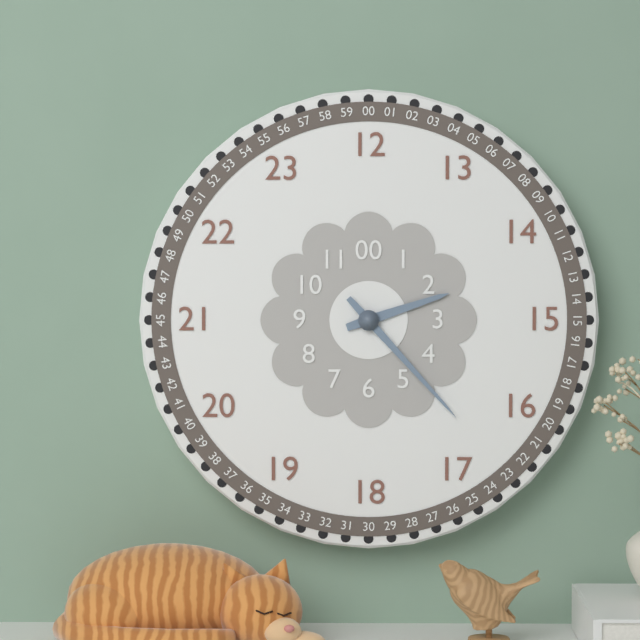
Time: **2:23**
